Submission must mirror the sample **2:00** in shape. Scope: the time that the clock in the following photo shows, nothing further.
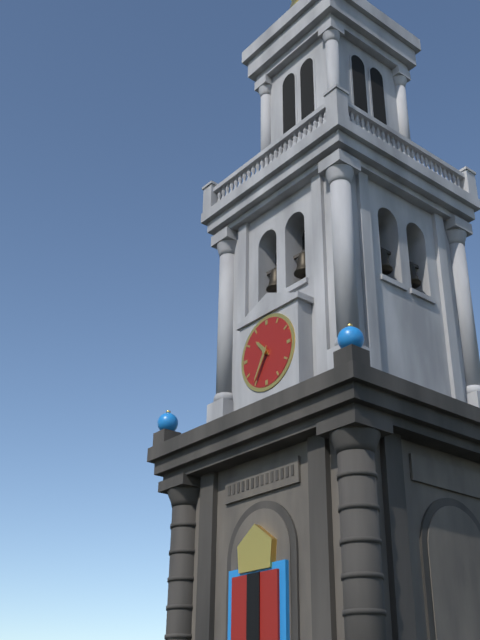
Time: **10:35**
